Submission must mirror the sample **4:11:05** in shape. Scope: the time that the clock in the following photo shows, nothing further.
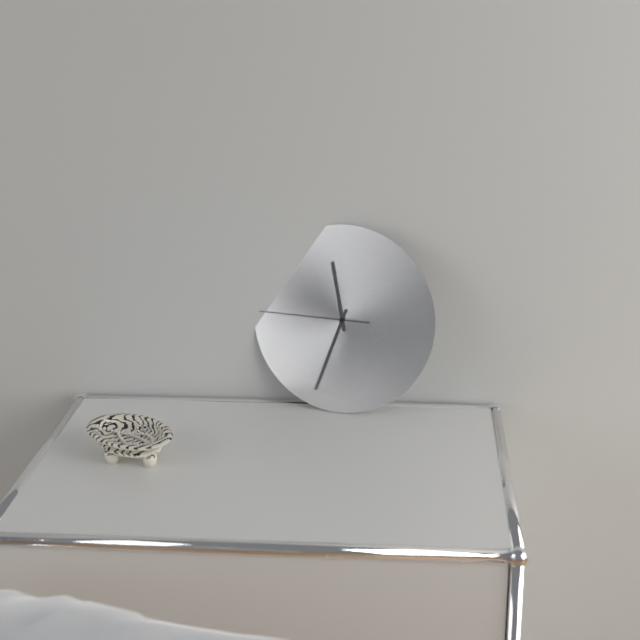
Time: **11:33:45**
